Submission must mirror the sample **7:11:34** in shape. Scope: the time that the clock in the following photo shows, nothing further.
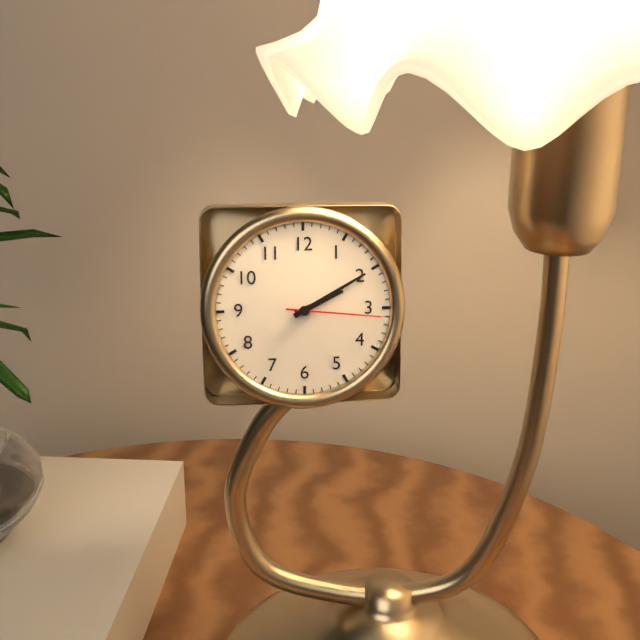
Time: **2:10:16**
